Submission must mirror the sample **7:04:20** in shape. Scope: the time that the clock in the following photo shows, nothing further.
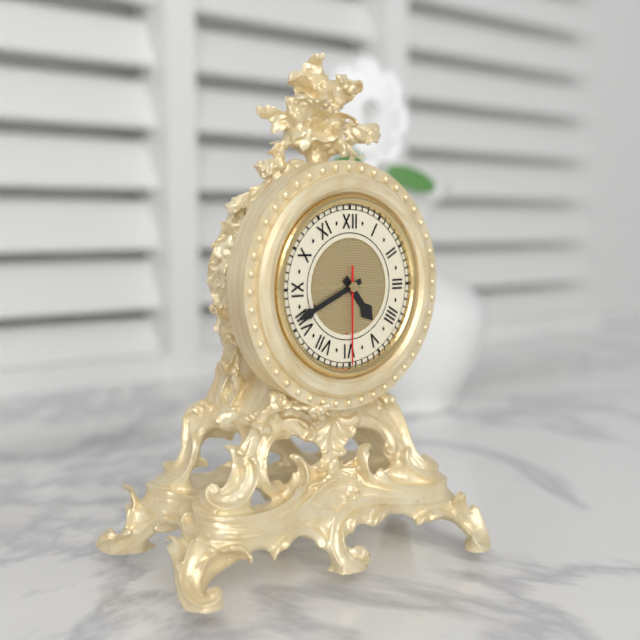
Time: **4:41:30**
